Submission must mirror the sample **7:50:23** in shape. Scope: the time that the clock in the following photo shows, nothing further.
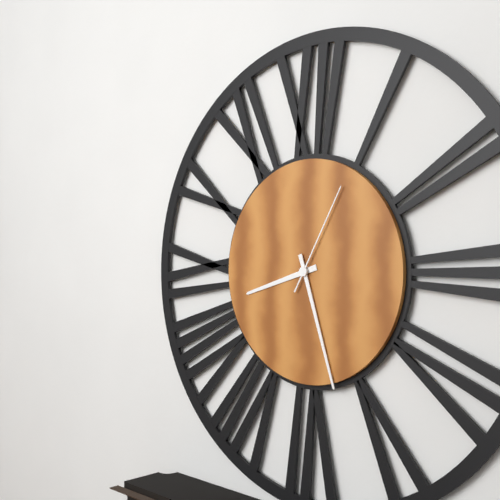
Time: **8:27:05**
